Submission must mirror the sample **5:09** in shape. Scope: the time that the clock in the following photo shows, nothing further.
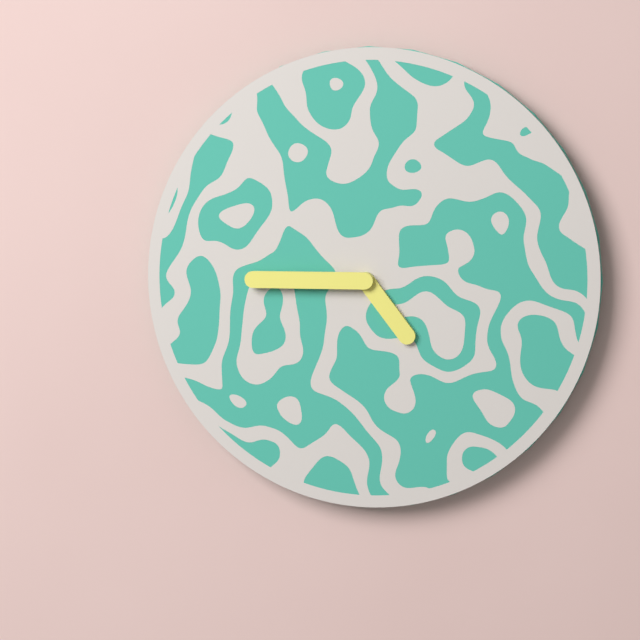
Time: **4:45**
